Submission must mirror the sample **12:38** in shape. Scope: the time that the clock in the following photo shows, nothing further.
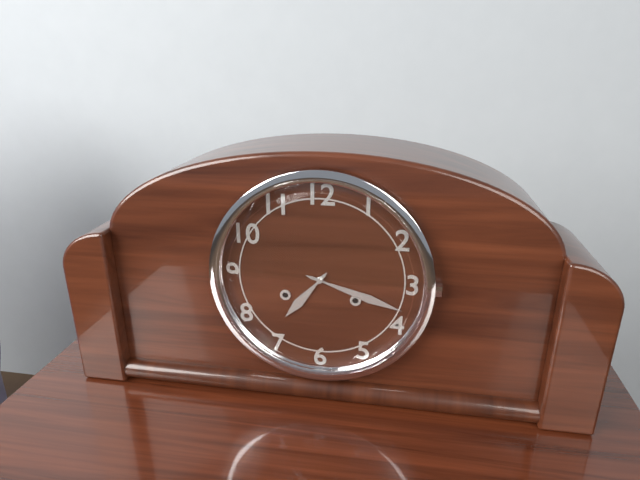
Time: **7:18**
